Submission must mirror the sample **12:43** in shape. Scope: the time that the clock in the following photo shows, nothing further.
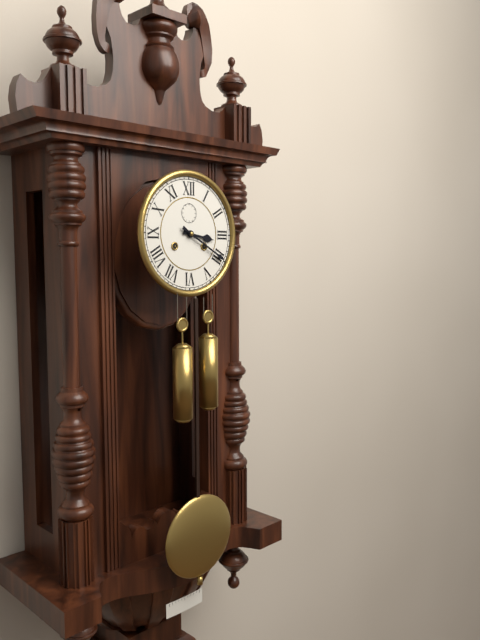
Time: **3:20**
